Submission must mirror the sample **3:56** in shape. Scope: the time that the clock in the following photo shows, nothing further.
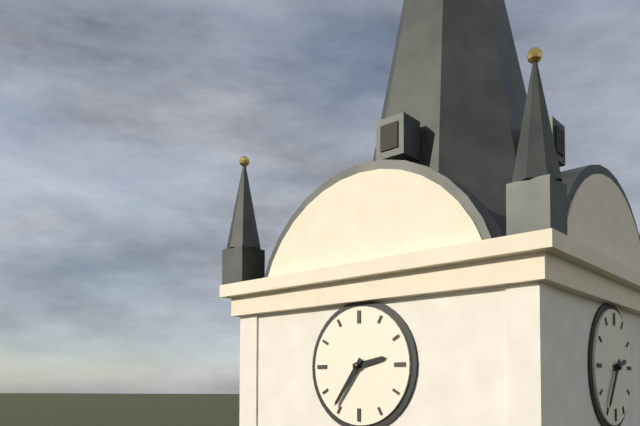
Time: **2:36**
